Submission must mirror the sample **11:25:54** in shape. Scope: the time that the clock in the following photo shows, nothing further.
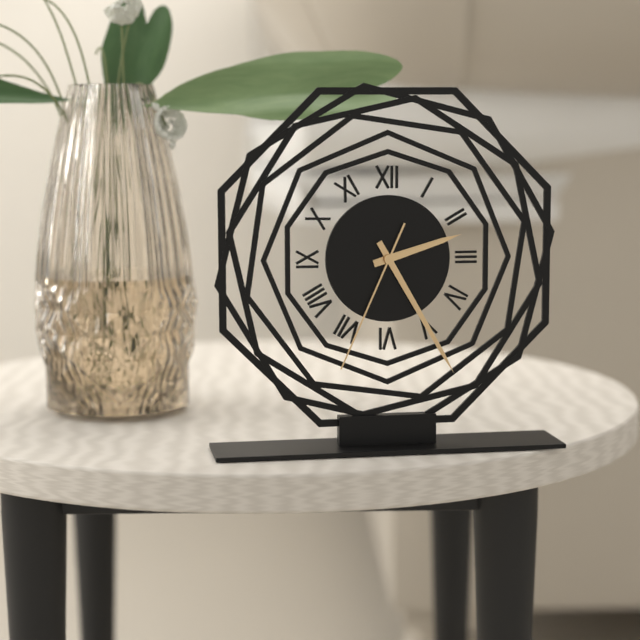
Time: **2:25:34**
